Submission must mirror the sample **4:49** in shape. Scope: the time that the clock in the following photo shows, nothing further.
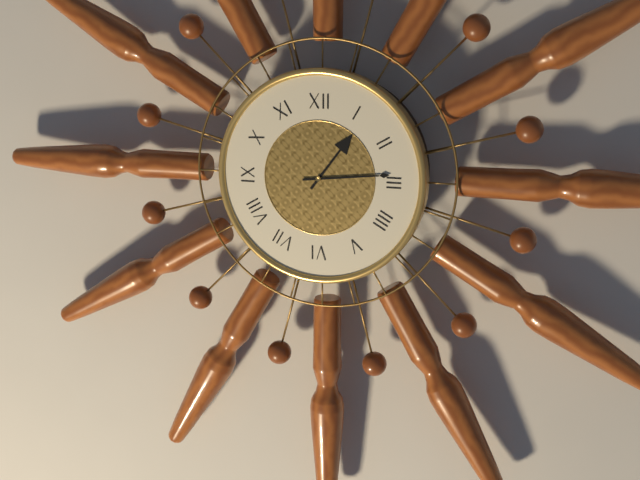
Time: **1:14**
